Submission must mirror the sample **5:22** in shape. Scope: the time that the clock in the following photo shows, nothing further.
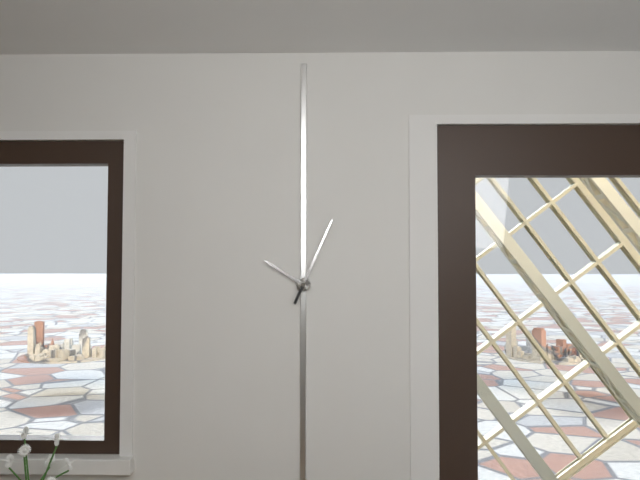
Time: **10:04**
